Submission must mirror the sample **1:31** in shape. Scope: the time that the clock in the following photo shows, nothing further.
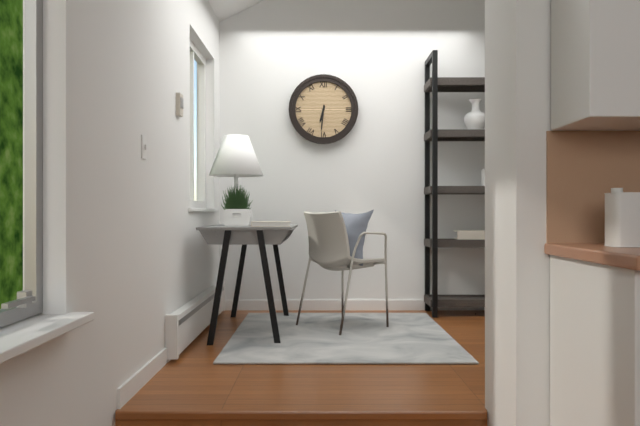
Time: **6:31**
